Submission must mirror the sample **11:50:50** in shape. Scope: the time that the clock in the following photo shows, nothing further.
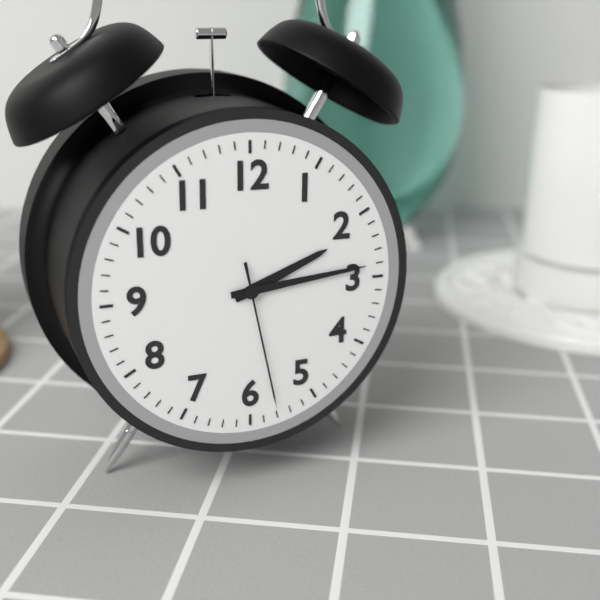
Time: **2:14:28**
